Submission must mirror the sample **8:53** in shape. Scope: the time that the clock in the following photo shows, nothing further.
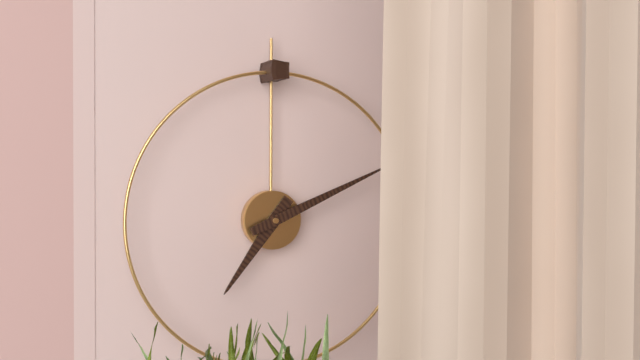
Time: **7:11**
